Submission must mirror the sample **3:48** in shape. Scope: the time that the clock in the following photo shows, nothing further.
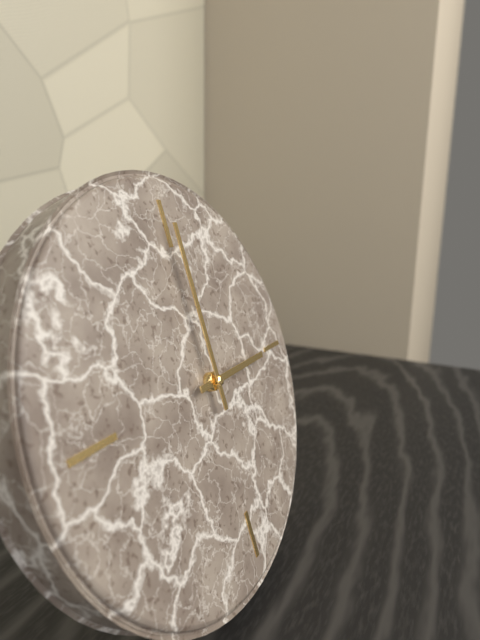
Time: **3:00**
